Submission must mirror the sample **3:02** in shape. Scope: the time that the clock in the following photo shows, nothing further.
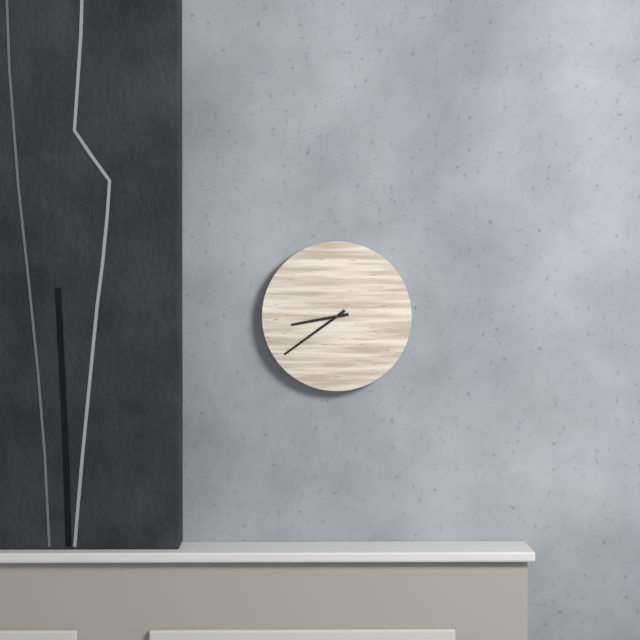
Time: **8:39**
